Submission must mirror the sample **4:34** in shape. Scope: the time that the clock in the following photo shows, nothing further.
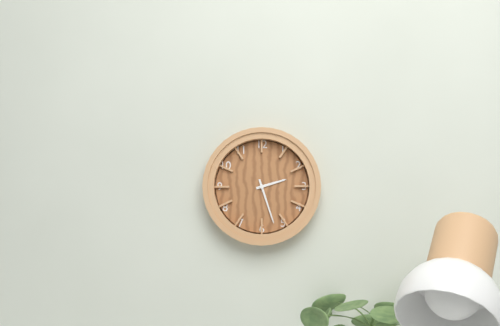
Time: **2:27**
